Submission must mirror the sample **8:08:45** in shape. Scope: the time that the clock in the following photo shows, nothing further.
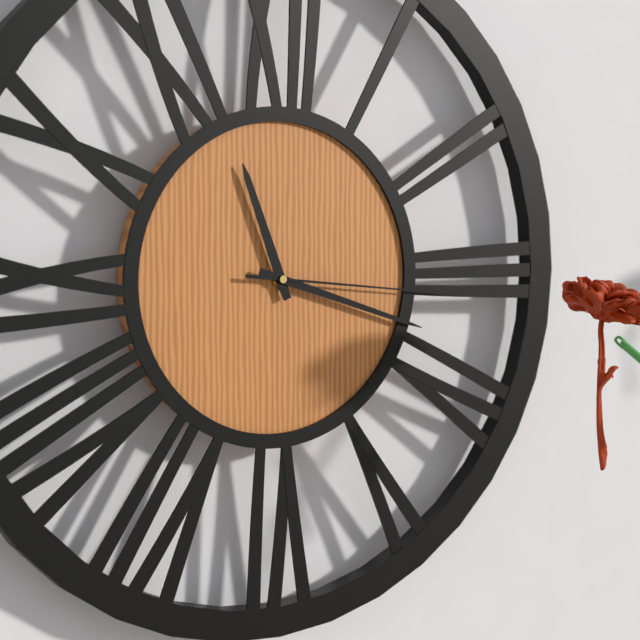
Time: **11:18:16**
